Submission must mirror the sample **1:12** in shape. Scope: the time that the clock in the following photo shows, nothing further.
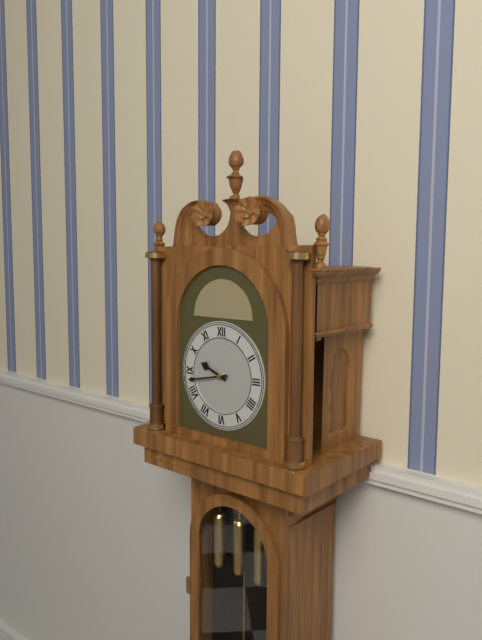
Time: **9:43**
